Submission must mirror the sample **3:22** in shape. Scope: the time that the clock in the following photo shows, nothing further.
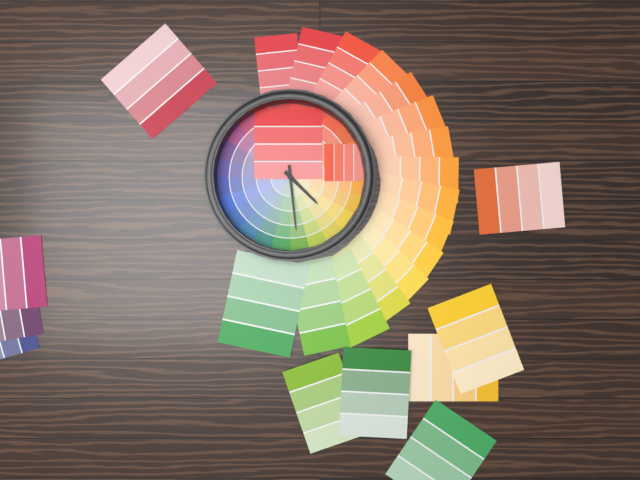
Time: **4:29**
